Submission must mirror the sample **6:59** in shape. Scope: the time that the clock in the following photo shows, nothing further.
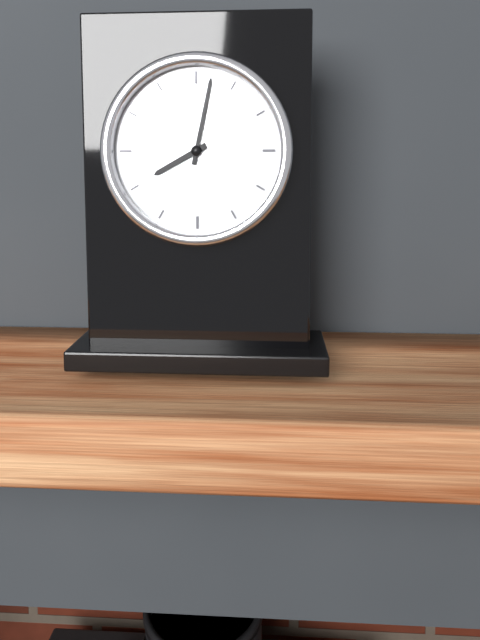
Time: **8:02**
